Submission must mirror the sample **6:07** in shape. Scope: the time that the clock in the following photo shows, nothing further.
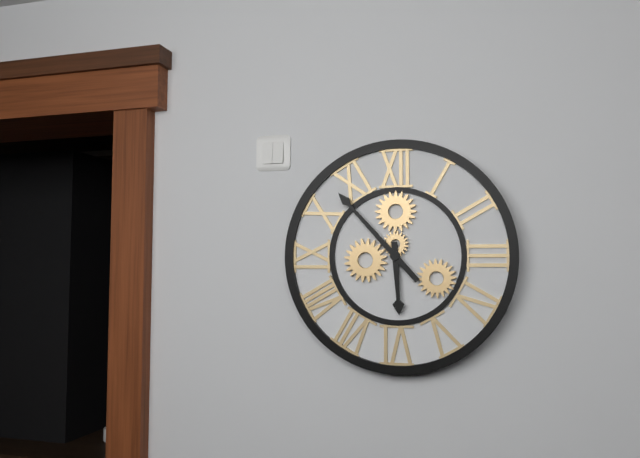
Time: **5:53**
